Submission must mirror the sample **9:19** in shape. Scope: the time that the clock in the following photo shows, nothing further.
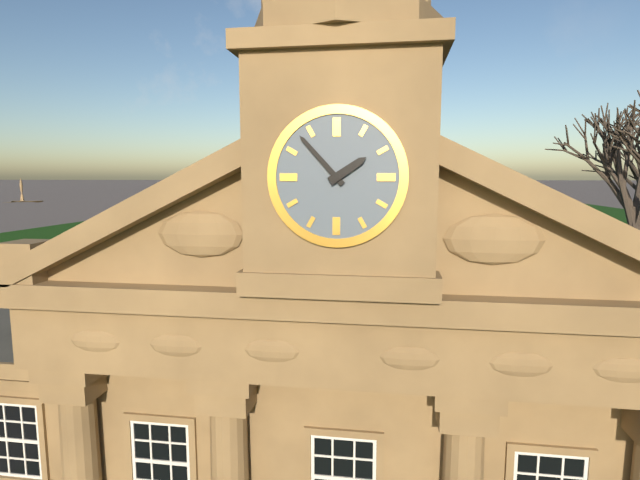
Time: **1:53**
